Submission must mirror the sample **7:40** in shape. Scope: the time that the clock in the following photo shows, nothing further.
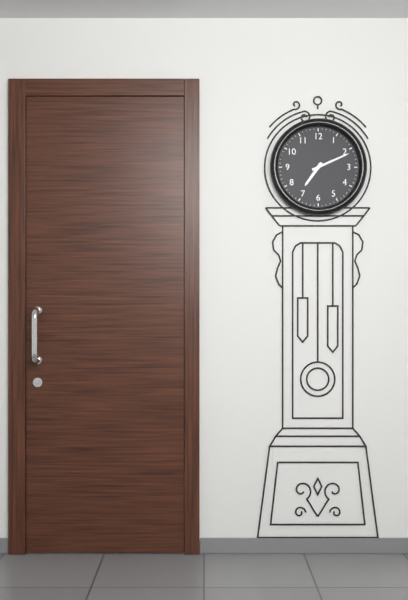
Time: **7:11**
